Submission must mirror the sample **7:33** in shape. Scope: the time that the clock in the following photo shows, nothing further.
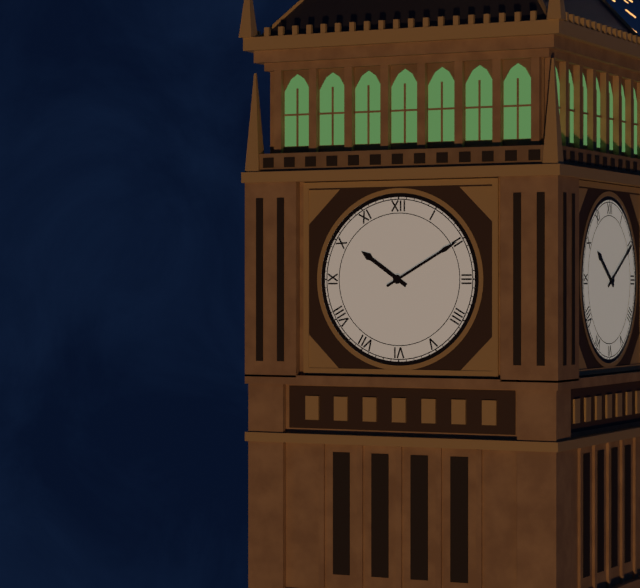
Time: **10:10**
